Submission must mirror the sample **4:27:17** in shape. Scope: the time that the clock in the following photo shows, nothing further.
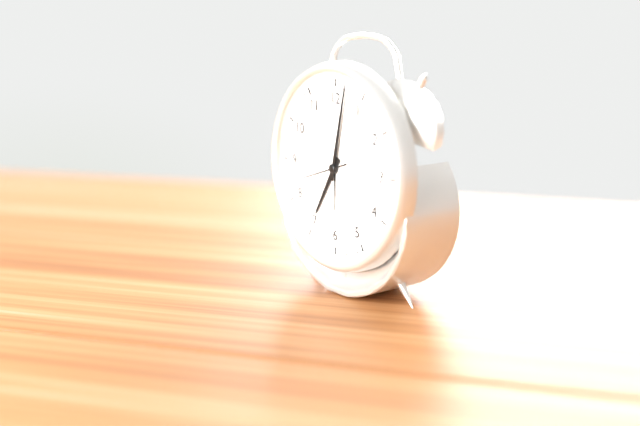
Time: **7:02:42**
